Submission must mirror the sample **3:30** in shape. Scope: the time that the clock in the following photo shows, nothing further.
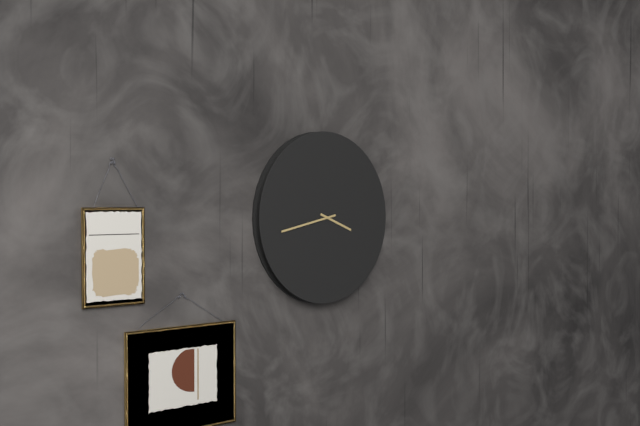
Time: **3:43**
